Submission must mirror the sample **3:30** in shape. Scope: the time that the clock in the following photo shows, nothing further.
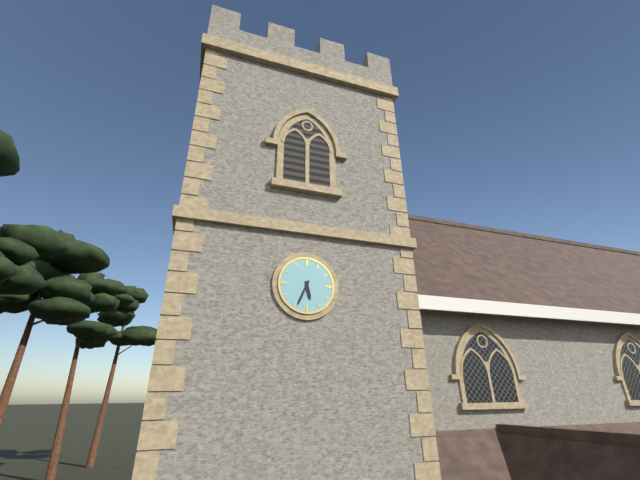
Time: **5:34**
